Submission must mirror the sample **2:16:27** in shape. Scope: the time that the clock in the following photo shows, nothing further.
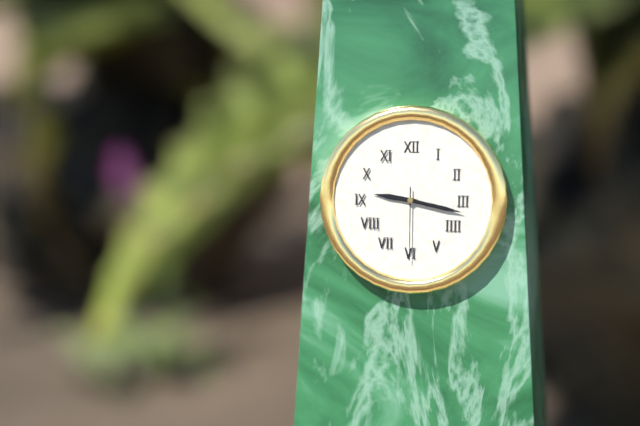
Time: **9:17:30**
